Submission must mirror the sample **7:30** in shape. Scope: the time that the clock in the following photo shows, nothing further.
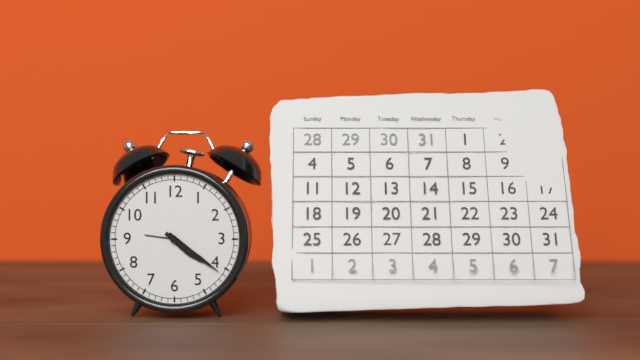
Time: **4:21**
